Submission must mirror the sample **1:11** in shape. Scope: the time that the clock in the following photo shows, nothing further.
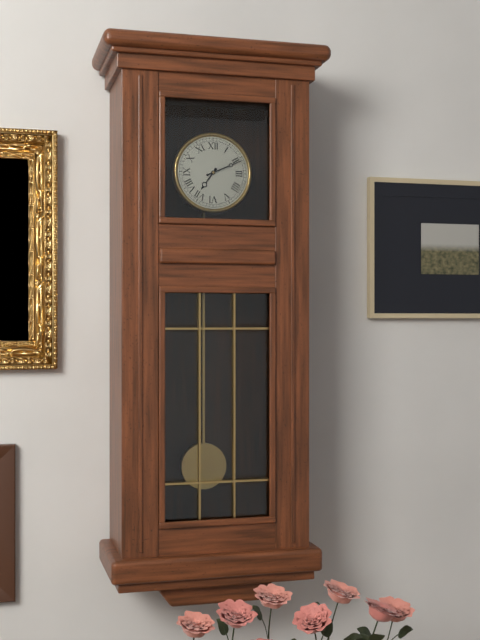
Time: **7:11**
